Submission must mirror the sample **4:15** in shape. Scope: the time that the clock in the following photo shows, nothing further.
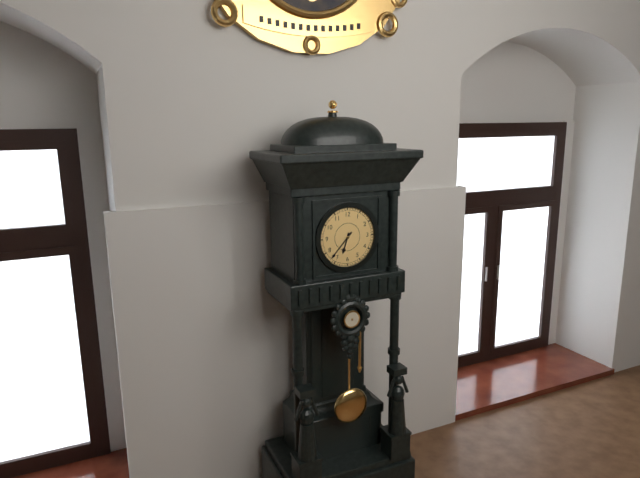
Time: **6:37**
